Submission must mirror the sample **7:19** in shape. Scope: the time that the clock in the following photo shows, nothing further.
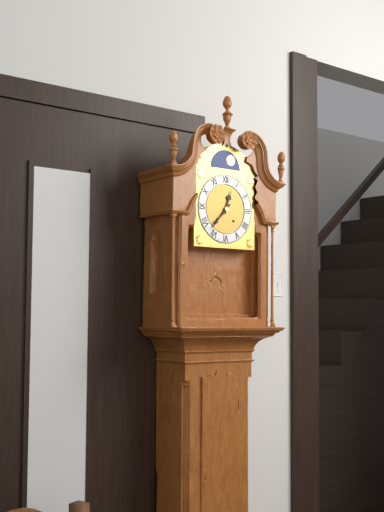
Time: **12:37**
